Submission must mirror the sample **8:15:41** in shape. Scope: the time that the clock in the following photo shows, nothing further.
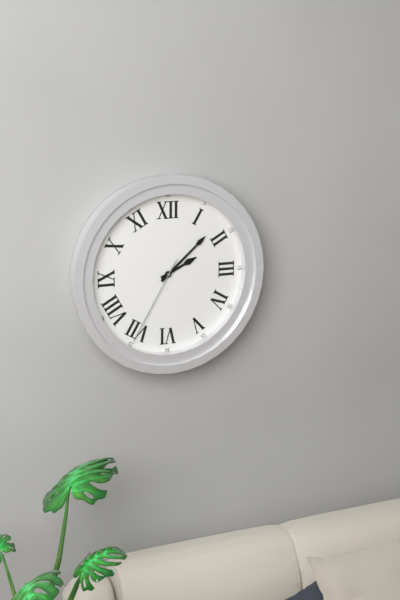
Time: **2:08:35**
